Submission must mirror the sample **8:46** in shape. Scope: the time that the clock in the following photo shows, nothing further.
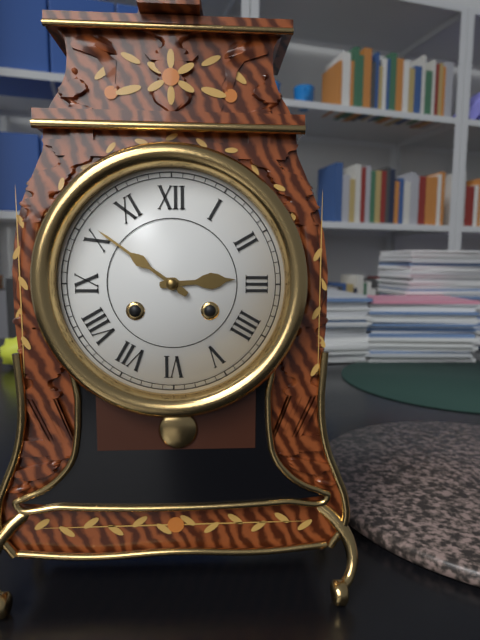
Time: **2:51**
